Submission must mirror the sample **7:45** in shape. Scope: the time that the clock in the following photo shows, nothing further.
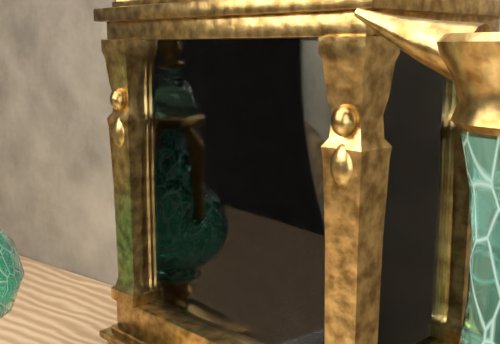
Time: **5:01**
